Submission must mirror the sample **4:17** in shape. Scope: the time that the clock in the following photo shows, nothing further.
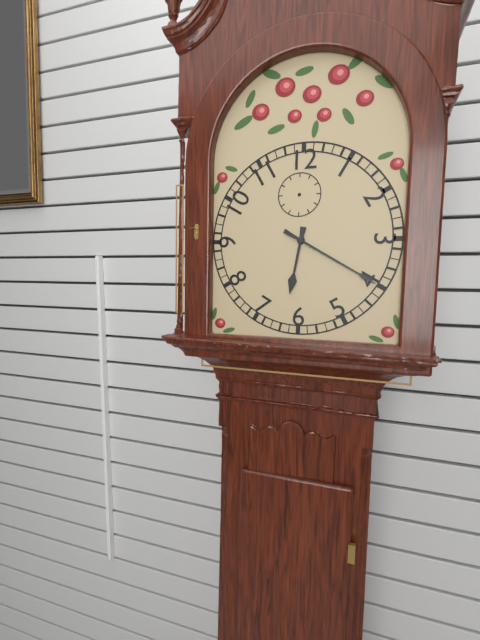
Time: **6:20**
